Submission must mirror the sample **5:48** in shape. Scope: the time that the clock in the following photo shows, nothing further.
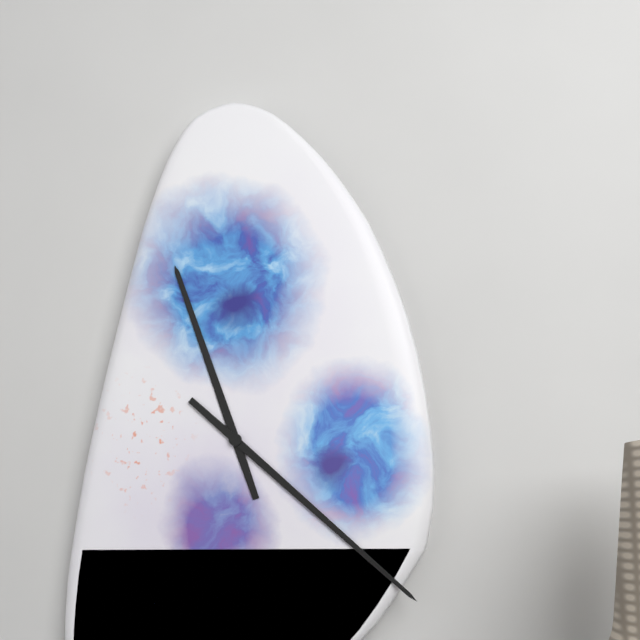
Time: **11:22**
